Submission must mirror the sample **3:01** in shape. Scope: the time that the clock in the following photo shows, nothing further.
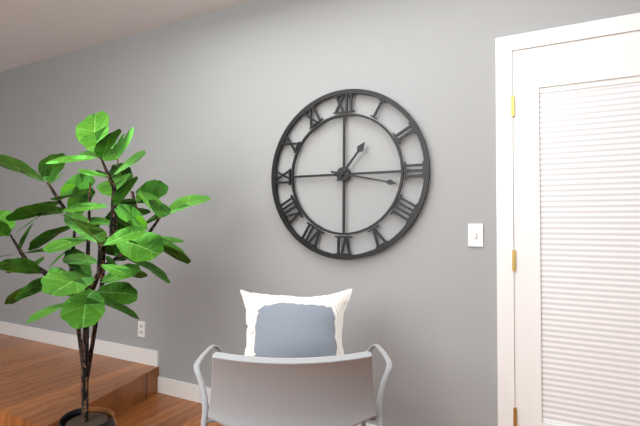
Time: **1:17**
